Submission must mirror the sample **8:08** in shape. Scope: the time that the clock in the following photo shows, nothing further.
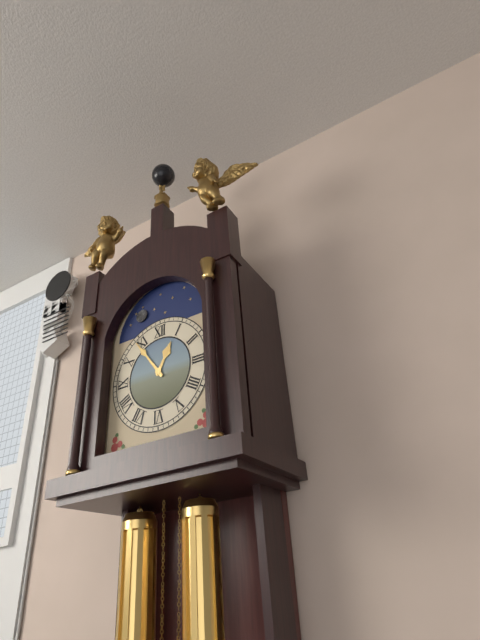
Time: **12:54**
